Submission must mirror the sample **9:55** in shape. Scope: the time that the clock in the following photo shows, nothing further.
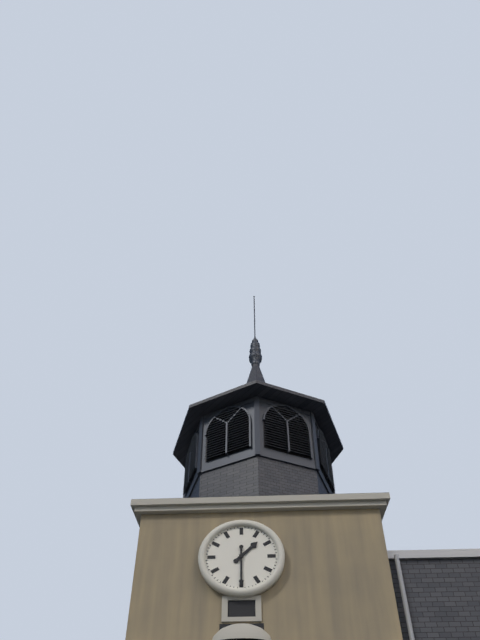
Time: **1:30**
